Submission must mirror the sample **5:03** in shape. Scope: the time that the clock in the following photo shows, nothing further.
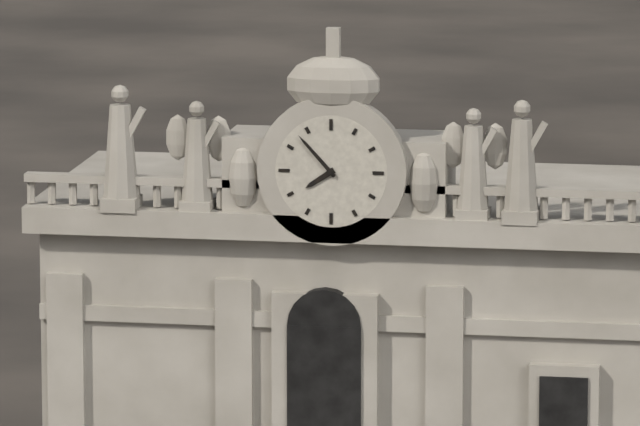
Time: **7:53**
